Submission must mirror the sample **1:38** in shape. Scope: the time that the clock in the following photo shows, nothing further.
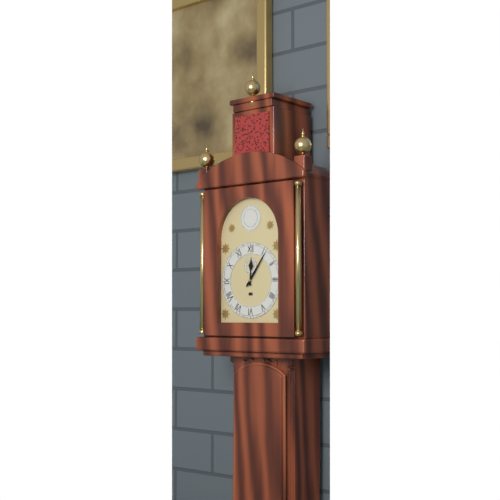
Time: **12:06**
